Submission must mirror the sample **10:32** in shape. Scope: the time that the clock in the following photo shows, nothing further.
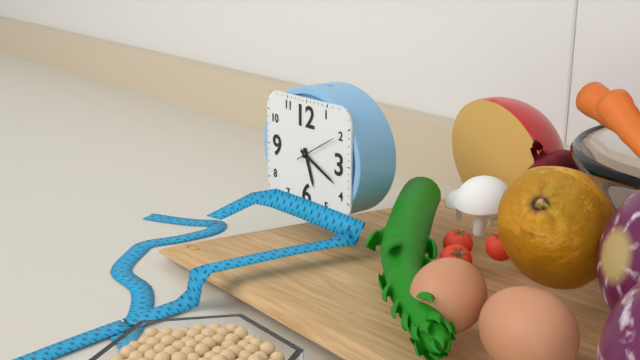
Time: **5:19**
